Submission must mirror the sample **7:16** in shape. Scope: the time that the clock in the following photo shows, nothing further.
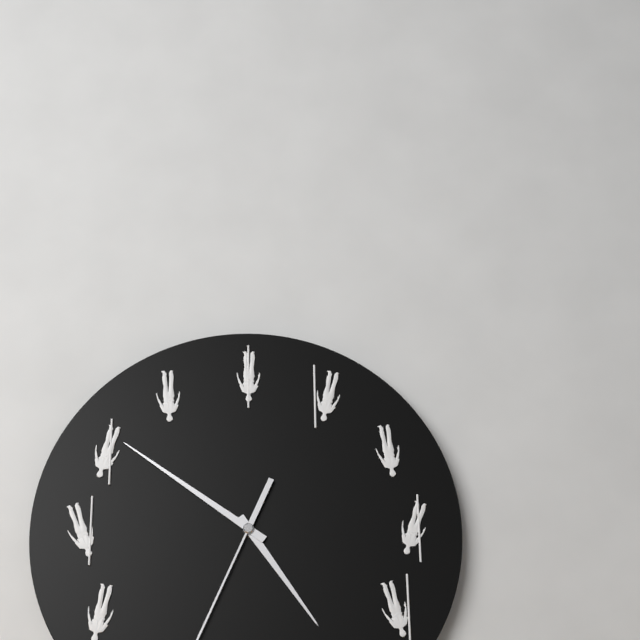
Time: **4:51**
